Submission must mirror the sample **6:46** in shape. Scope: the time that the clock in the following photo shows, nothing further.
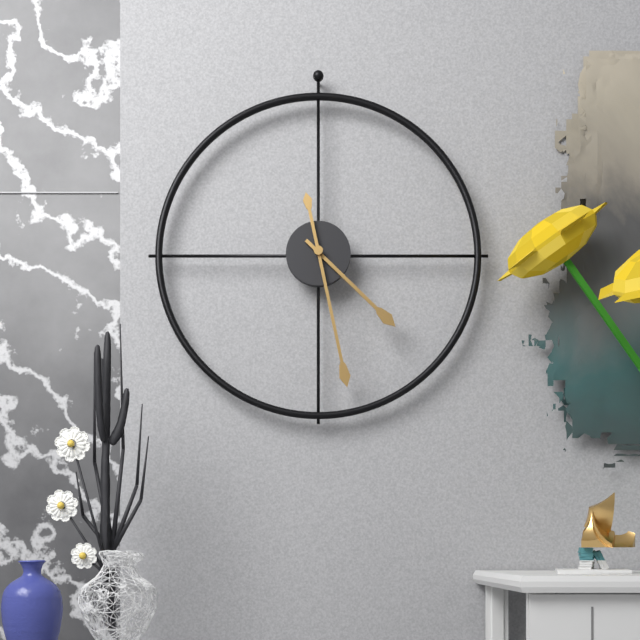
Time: **4:28**
